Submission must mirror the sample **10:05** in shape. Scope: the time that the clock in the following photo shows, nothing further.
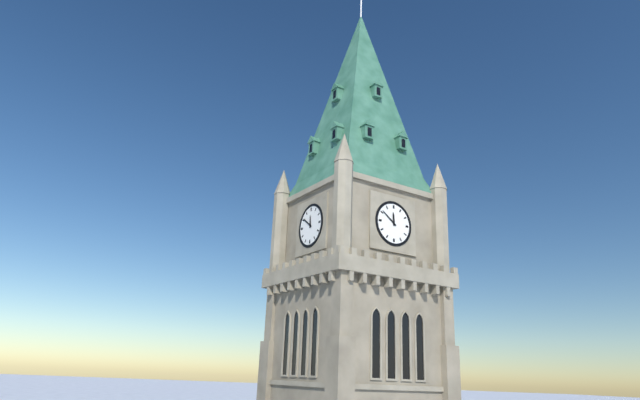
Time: **11:51**
